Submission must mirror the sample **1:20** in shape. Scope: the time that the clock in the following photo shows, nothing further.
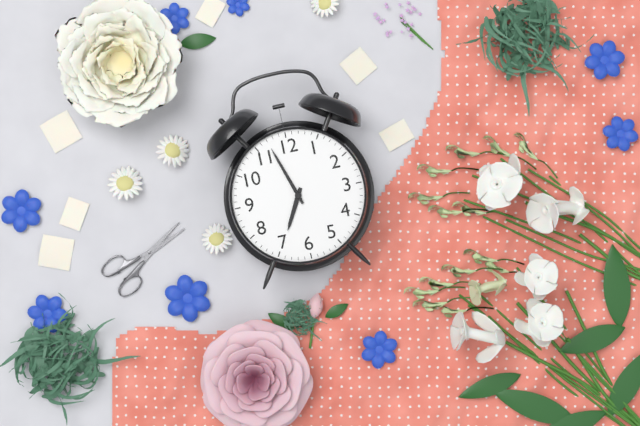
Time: **6:57**
